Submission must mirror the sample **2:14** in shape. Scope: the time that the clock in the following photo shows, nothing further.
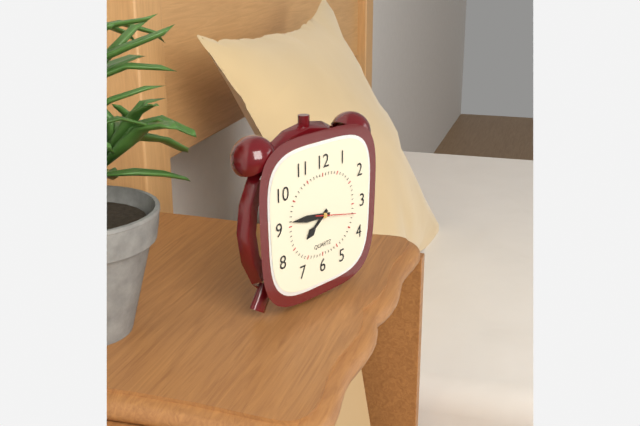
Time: **7:46**
